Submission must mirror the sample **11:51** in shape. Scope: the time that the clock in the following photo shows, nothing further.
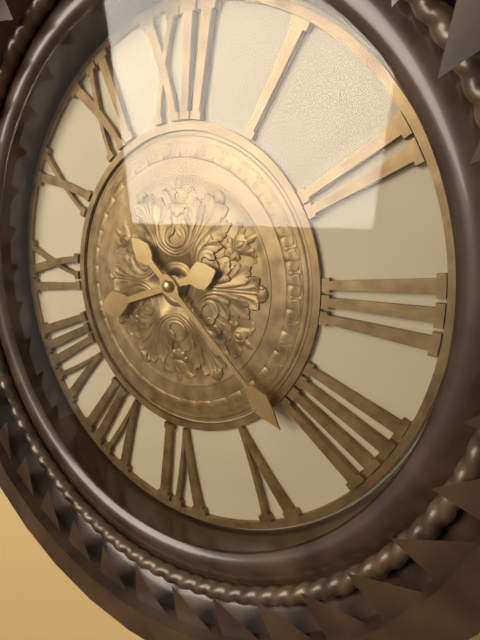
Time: **8:22**
